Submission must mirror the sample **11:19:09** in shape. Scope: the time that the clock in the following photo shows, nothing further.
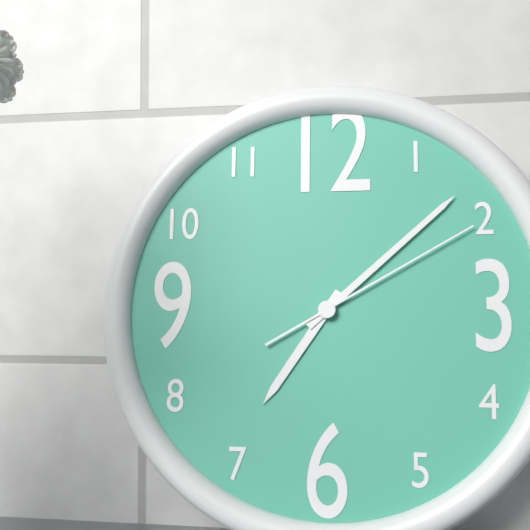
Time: **7:08:10**
